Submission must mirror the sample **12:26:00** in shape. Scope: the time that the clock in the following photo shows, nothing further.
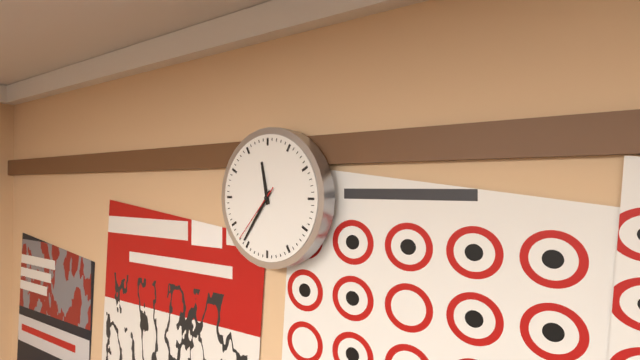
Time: **11:36:37**
